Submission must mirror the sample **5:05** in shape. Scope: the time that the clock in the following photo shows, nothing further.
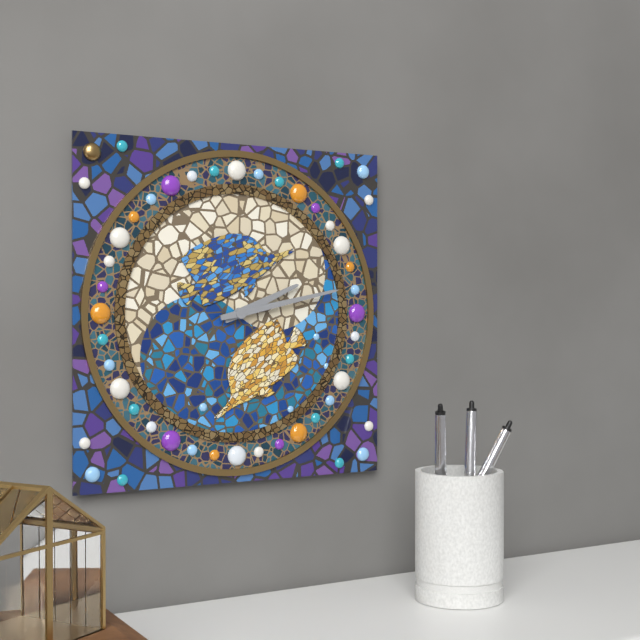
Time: **2:13**
